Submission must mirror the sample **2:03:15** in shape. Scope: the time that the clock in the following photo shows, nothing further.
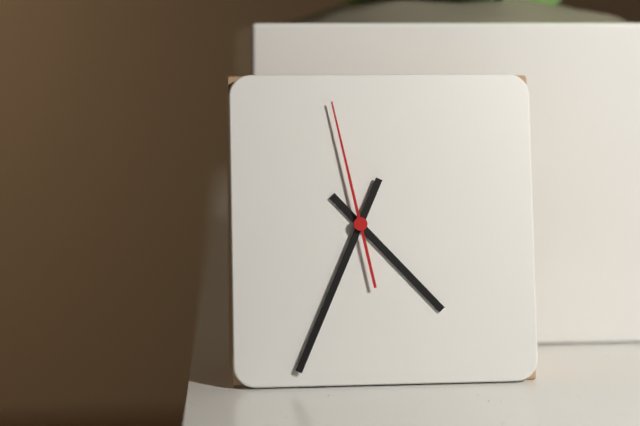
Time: **4:34:58**
